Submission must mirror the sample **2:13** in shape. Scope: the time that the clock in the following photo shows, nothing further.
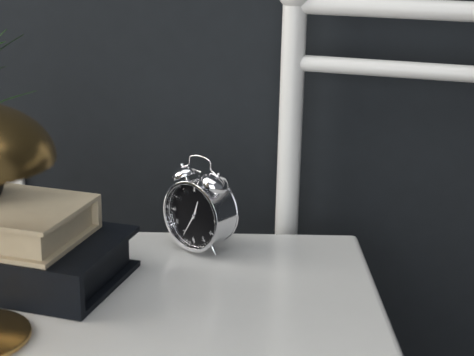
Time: **12:35**
